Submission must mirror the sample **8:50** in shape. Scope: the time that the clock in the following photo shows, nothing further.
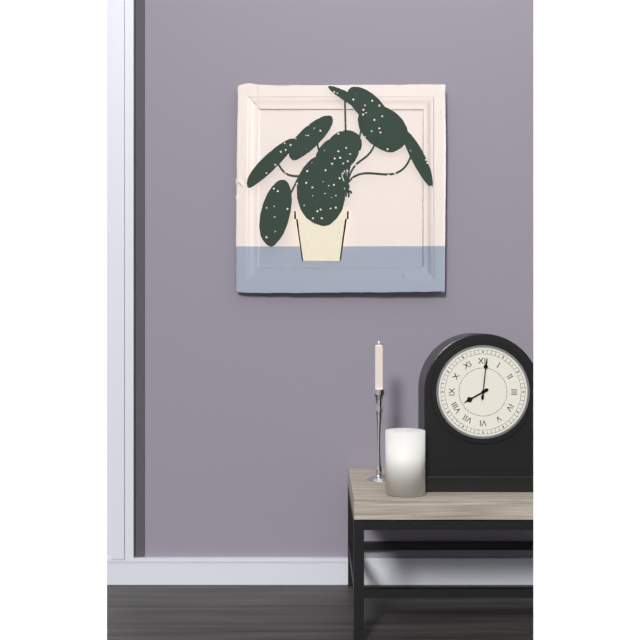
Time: **8:01**
